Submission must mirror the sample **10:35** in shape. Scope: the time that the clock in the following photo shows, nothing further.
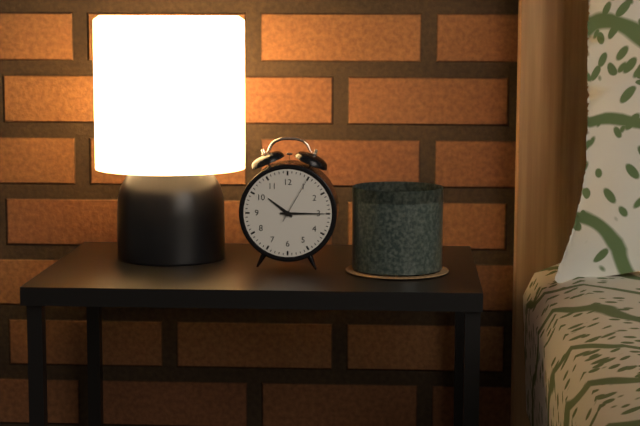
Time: **10:15**
